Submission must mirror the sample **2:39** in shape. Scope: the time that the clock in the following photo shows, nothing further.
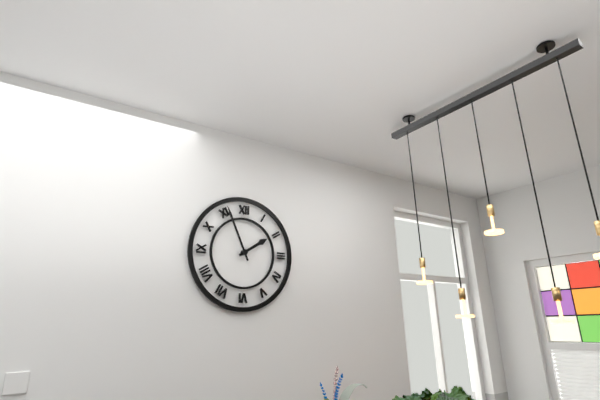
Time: **1:56**
